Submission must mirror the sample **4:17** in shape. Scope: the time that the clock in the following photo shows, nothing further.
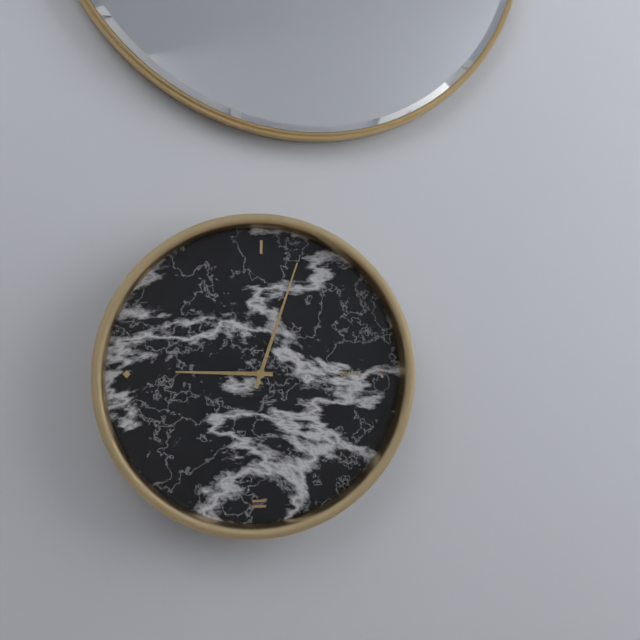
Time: **9:03**
